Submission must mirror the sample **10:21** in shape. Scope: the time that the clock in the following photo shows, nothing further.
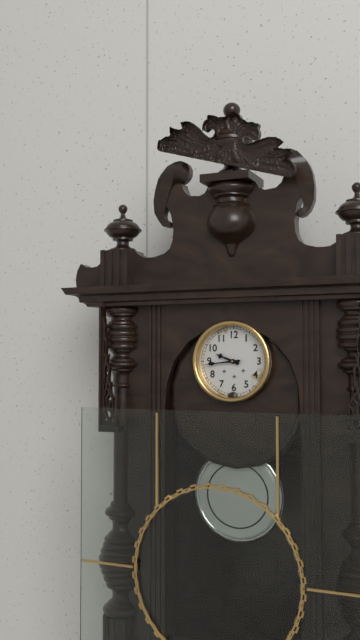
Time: **9:44**
